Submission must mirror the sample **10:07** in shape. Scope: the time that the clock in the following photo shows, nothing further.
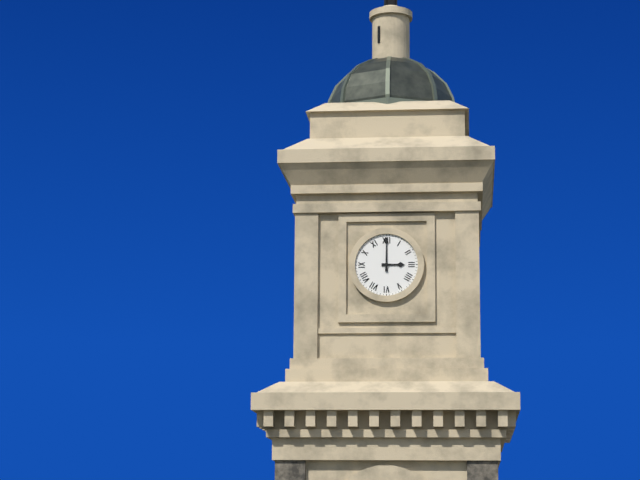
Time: **3:00**
